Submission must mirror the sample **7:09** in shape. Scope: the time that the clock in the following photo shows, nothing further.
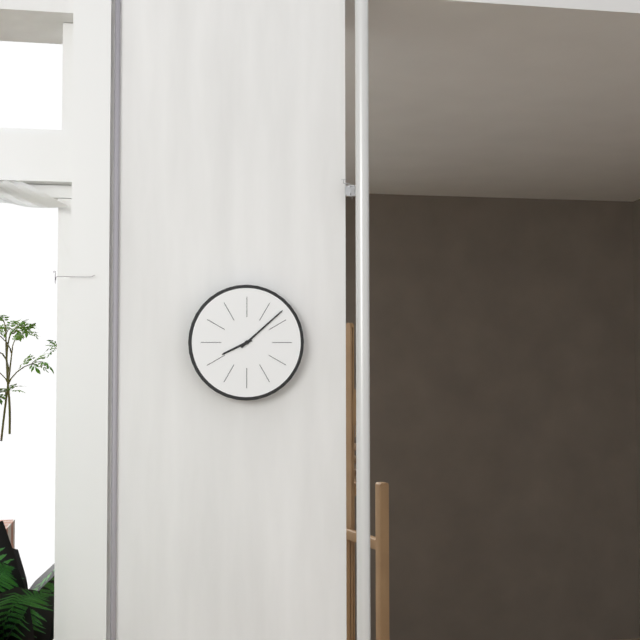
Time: **8:08**
